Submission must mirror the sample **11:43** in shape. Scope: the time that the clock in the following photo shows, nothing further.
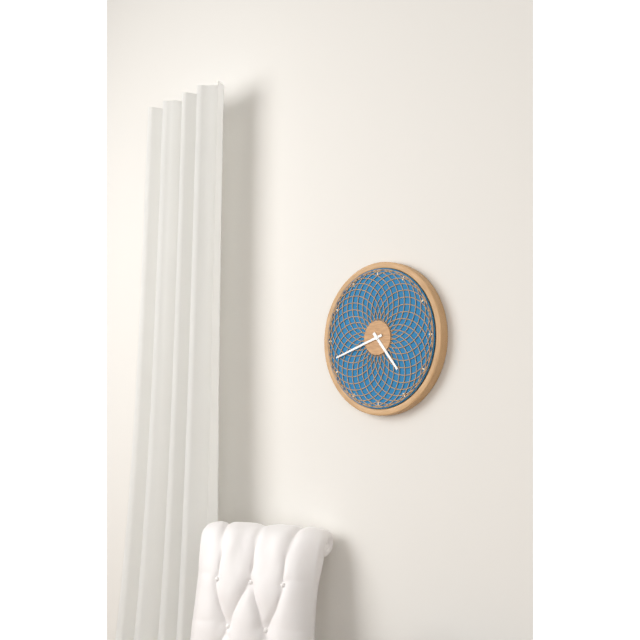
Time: **4:42**
